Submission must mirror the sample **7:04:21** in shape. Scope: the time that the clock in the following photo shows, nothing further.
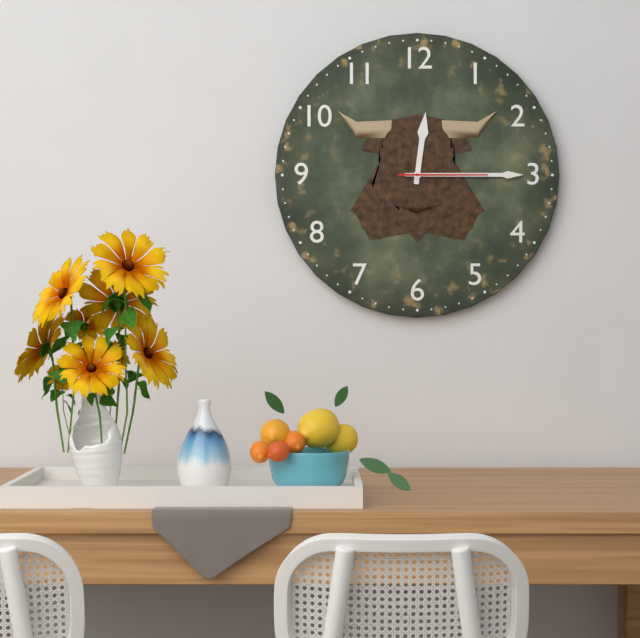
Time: **12:15:15**
